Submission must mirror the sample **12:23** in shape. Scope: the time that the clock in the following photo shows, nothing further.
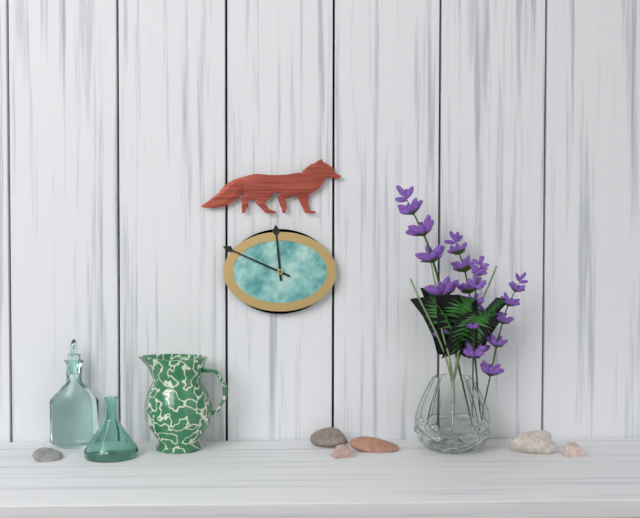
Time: **11:49**
